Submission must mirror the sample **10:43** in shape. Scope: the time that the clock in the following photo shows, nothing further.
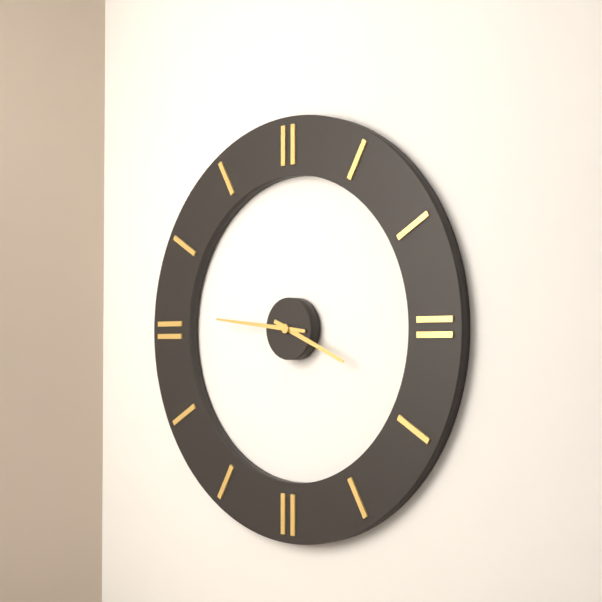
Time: **3:46**
